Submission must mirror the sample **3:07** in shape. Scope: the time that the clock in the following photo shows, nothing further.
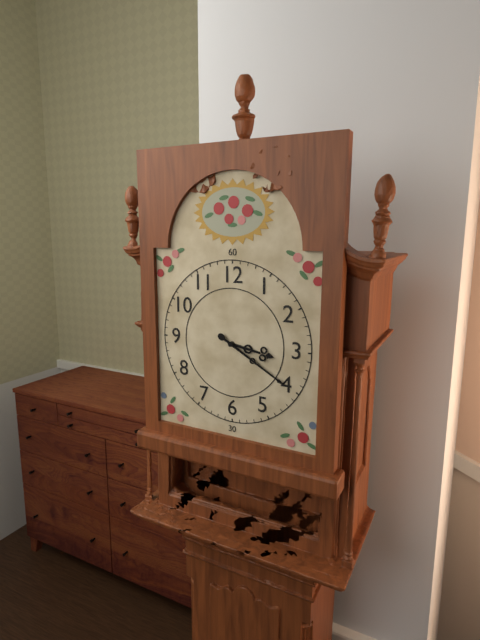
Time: **3:20**
